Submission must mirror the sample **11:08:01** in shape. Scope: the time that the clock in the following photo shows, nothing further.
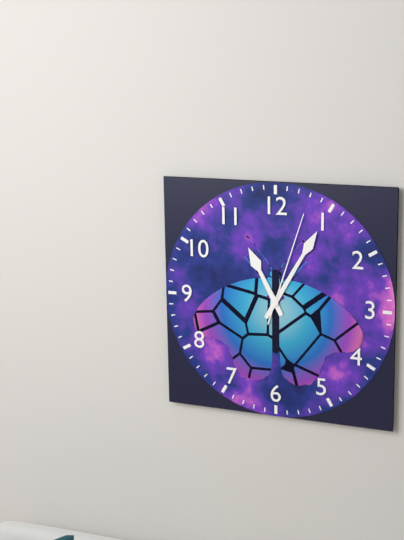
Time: **11:05:03**
